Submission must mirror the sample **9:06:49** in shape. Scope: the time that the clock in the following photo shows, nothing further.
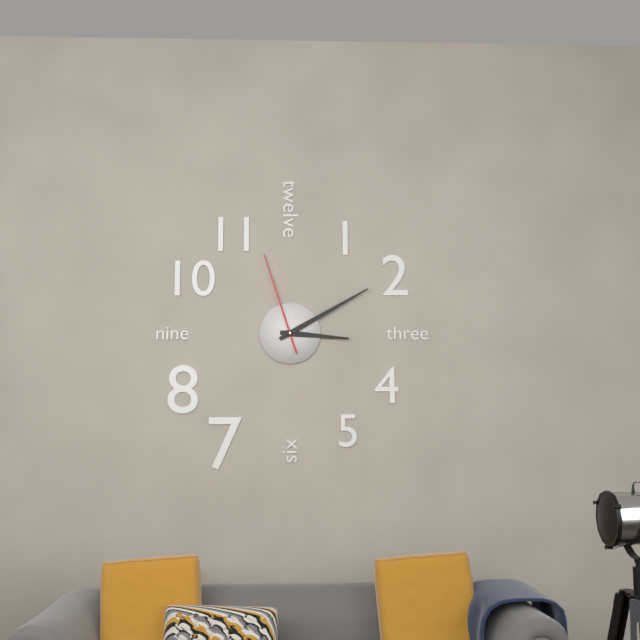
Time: **3:10:57**
